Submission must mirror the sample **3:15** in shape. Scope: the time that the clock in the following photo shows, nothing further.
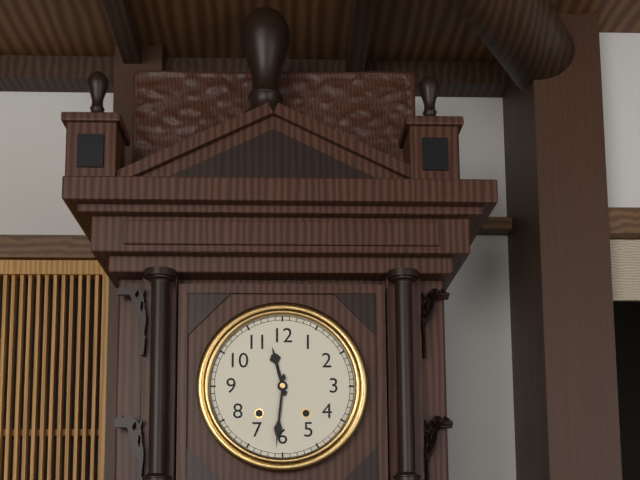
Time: **11:31**
